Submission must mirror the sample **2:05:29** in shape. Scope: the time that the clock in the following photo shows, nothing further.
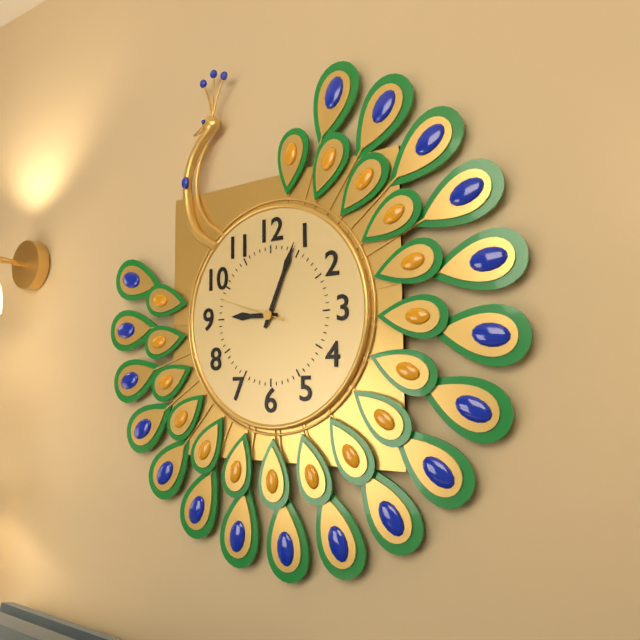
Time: **9:04:48**
